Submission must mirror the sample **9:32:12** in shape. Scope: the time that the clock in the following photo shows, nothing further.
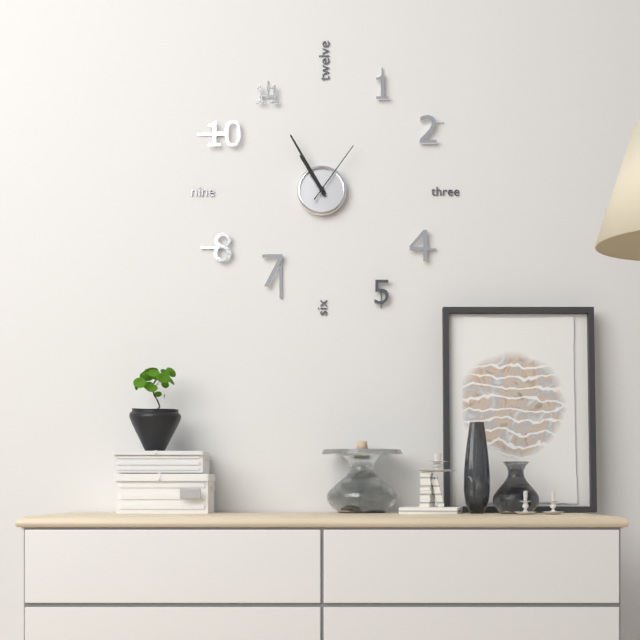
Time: **10:55:06**
